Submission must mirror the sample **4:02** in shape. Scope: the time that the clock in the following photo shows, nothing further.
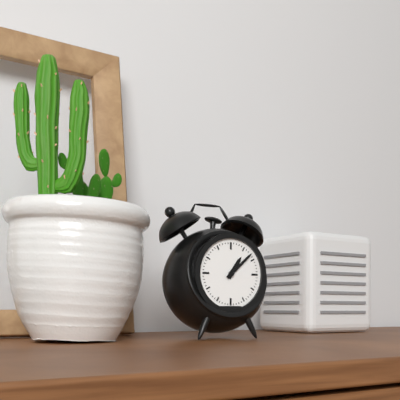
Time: **1:08**
